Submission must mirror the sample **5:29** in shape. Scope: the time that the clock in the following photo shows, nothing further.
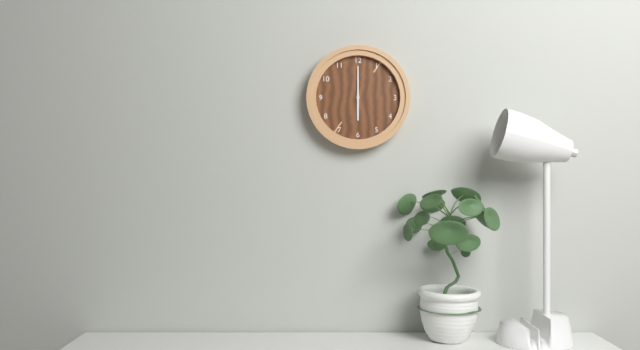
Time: **6:00**
